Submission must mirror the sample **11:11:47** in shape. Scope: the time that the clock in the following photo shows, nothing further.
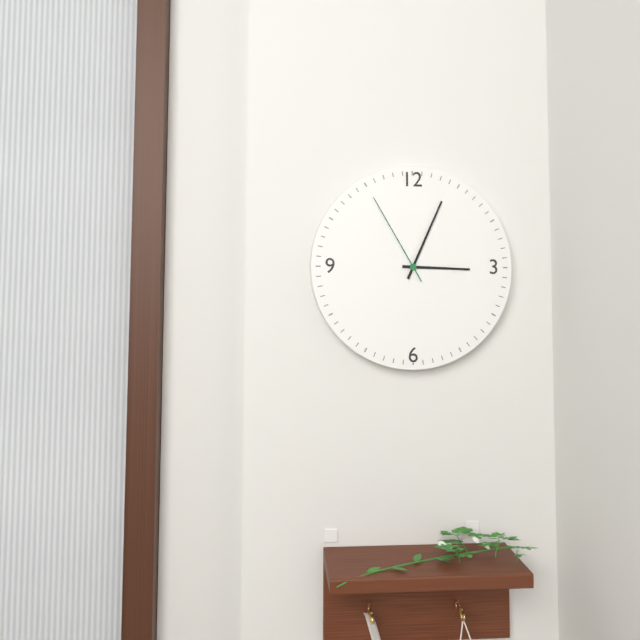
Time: **3:04:55**
